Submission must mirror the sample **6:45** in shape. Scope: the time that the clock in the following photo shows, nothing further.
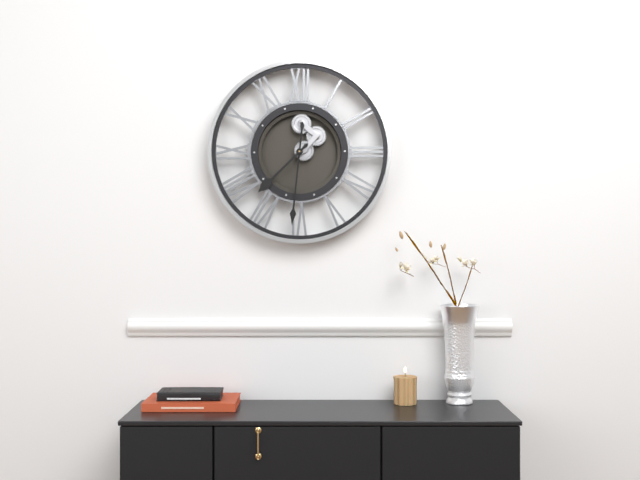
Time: **7:31**
